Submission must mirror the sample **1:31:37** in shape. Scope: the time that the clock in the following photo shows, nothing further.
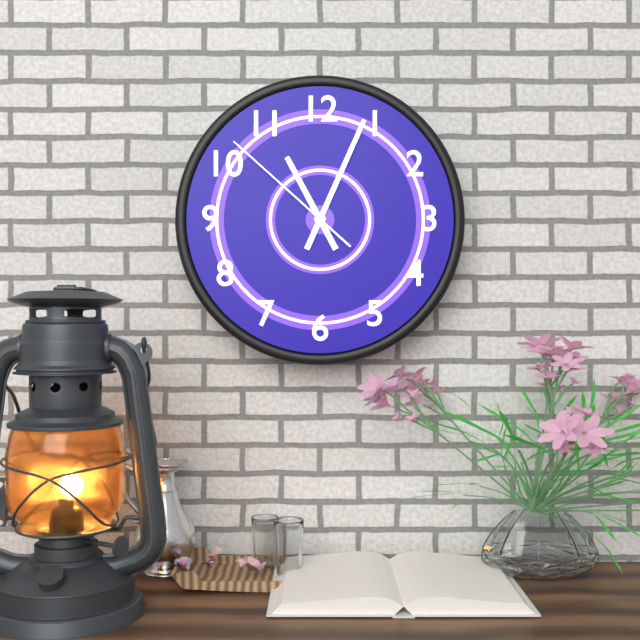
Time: **11:04:52**
